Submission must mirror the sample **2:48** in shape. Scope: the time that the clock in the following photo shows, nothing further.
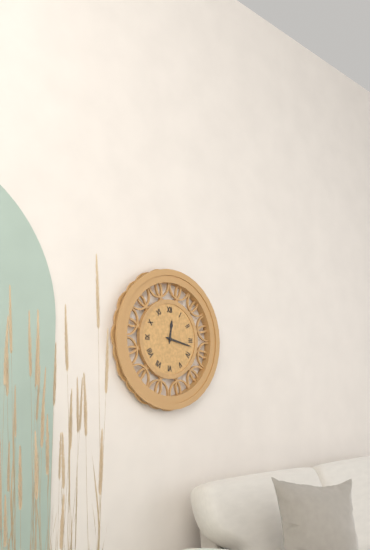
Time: **12:17**
